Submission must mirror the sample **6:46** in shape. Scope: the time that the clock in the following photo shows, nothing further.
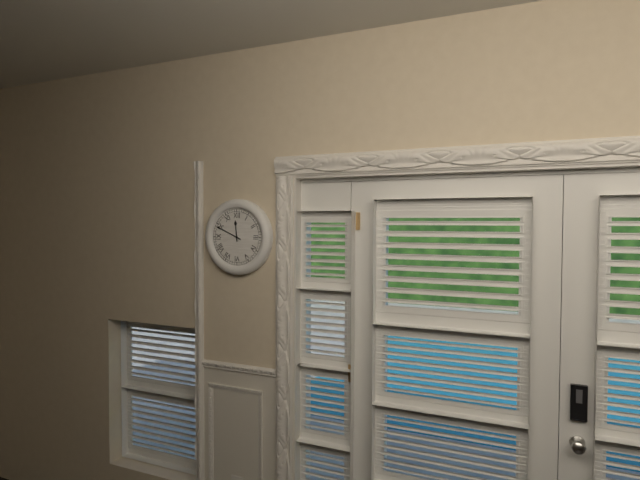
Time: **11:49**
